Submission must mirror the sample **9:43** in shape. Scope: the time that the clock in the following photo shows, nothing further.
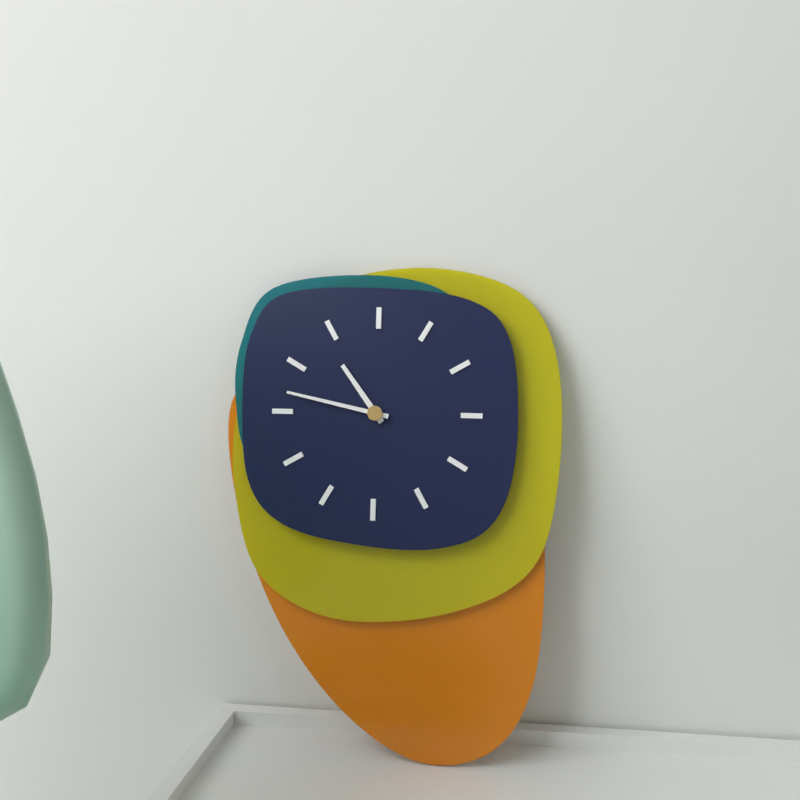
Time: **10:47**
